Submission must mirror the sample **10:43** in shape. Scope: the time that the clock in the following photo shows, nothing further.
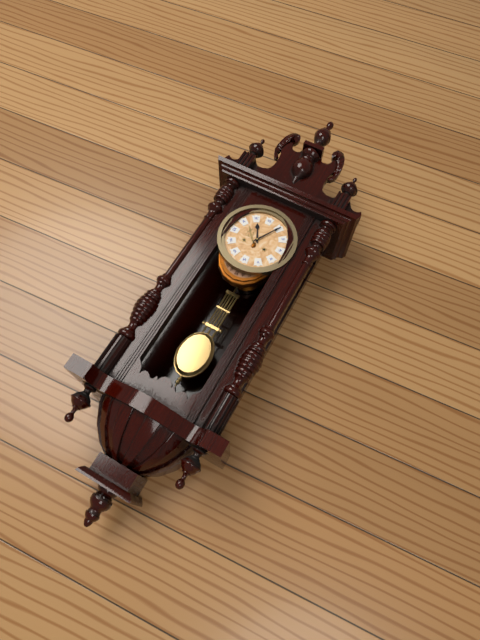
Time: **11:05**
